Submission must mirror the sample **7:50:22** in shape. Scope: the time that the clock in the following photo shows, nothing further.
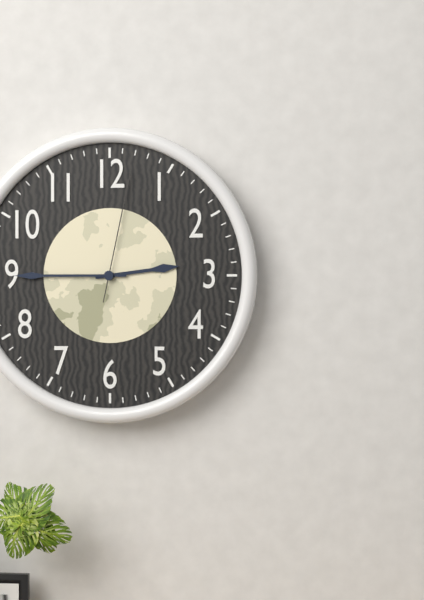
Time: **2:45:02**
